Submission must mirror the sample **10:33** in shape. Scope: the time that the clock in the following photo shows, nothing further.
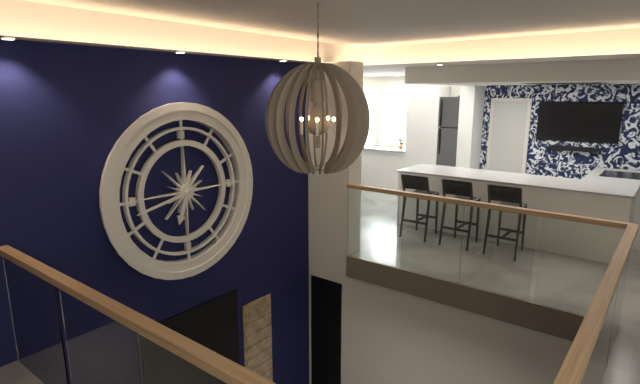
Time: **6:43**
